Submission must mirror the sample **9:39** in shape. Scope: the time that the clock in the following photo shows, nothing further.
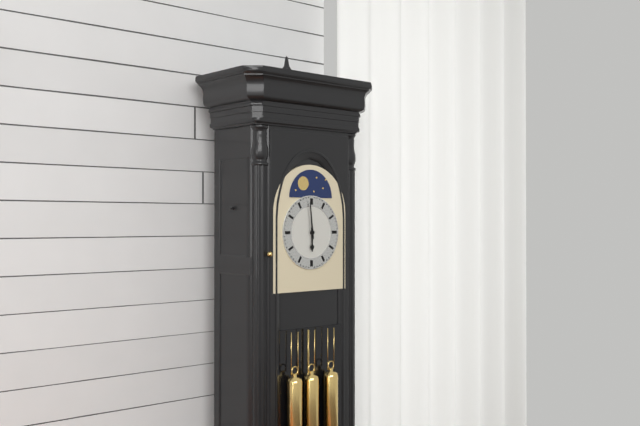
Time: **5:59**
